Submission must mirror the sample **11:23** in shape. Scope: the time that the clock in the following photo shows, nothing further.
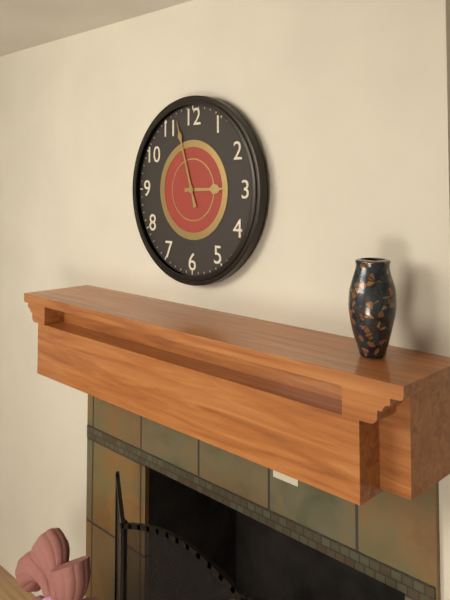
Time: **2:57**
